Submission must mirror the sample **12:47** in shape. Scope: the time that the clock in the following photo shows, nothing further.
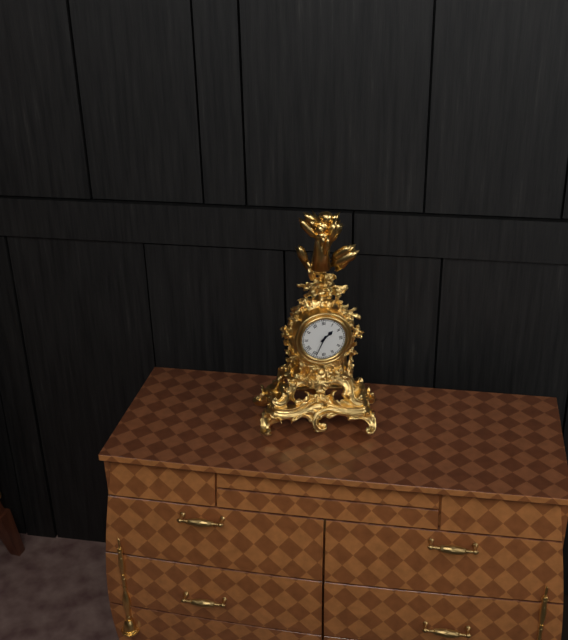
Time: **1:34**
